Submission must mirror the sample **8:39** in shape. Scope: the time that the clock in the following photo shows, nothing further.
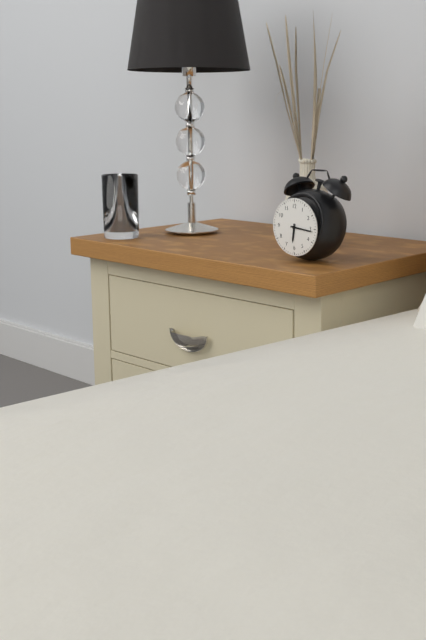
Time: **6:16**
